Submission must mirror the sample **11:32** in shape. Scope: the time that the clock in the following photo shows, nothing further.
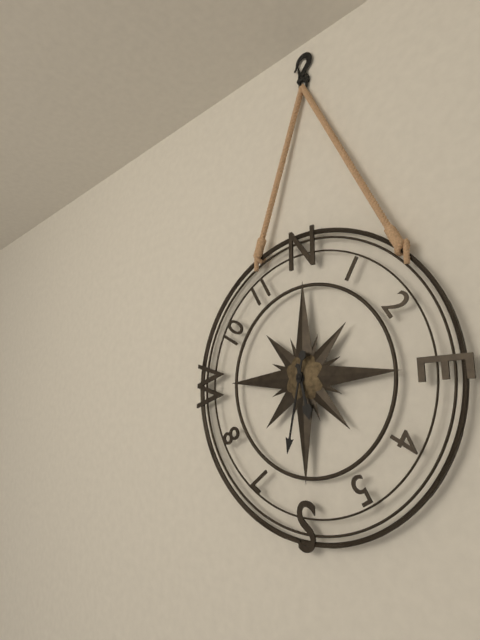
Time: **5:32**
